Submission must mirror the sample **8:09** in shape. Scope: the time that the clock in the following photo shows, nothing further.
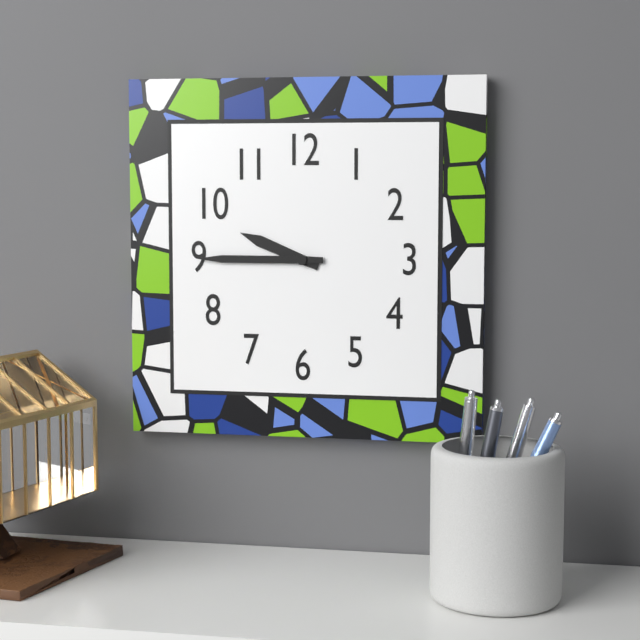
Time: **9:45**
